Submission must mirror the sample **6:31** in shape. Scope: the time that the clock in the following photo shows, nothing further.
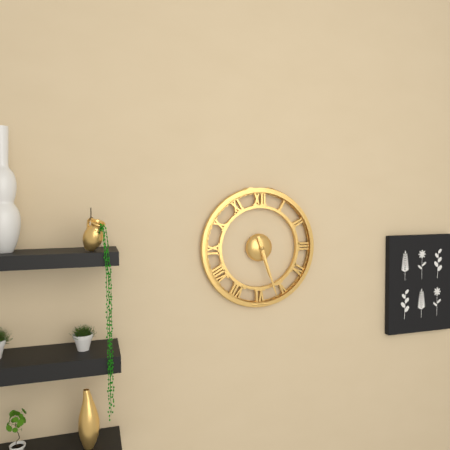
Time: **5:27**
